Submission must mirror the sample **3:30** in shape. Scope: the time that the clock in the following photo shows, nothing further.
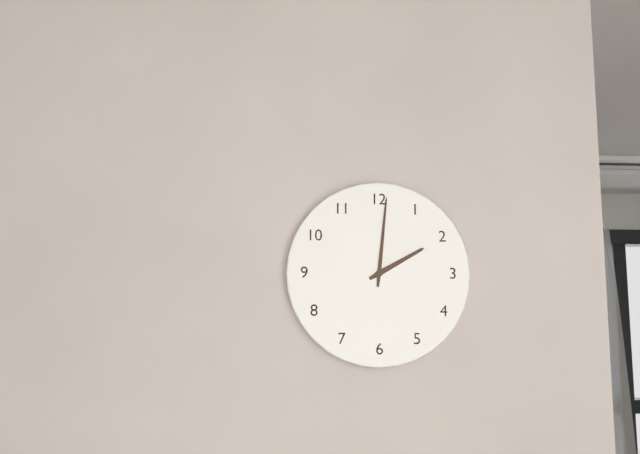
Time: **2:01**
